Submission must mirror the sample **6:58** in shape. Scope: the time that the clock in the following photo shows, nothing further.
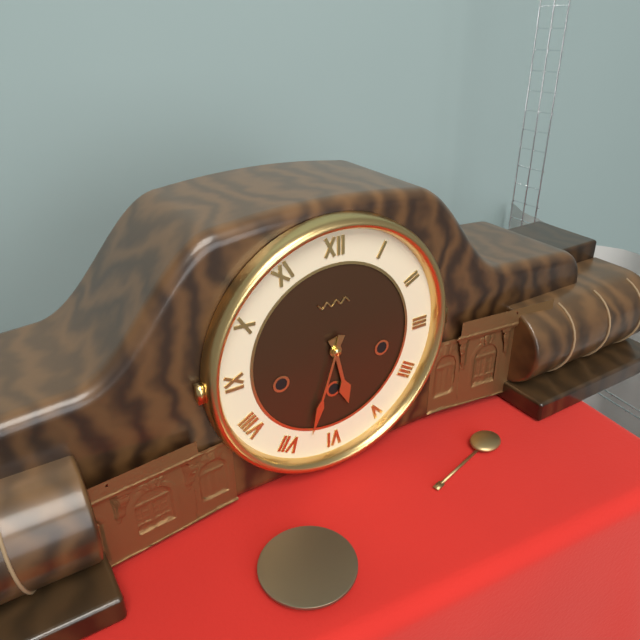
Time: **5:33**
